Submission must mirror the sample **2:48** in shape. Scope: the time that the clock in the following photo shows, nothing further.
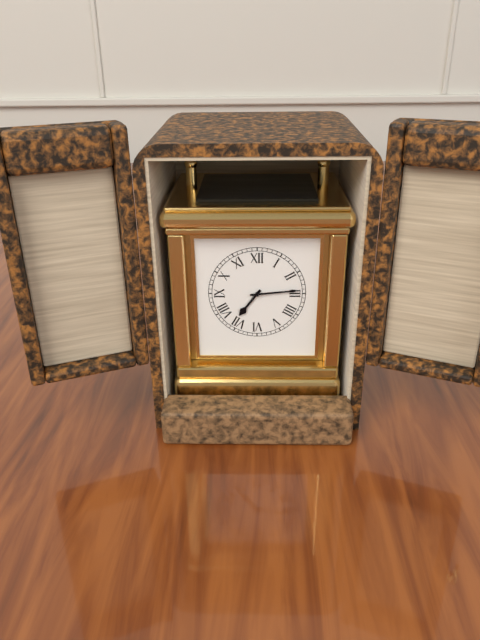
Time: **7:14**
